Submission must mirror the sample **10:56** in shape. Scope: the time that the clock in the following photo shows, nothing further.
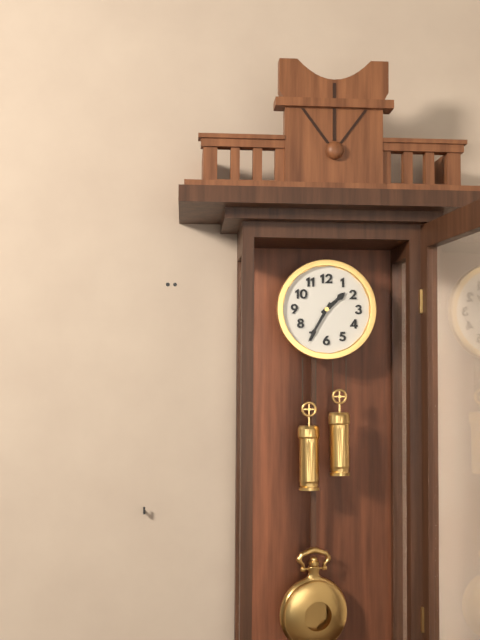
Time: **1:35**
